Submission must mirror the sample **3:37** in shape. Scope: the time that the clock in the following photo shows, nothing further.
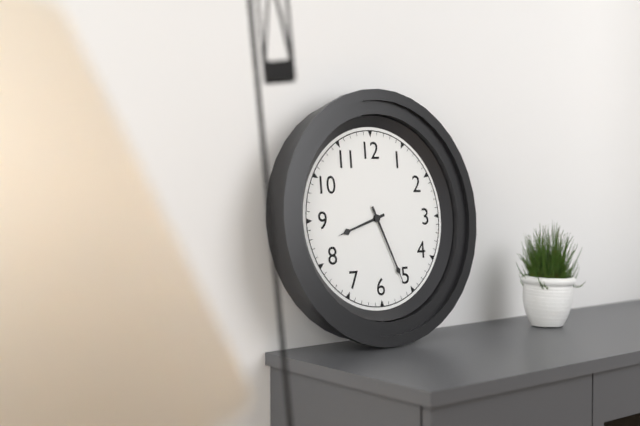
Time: **8:26**
